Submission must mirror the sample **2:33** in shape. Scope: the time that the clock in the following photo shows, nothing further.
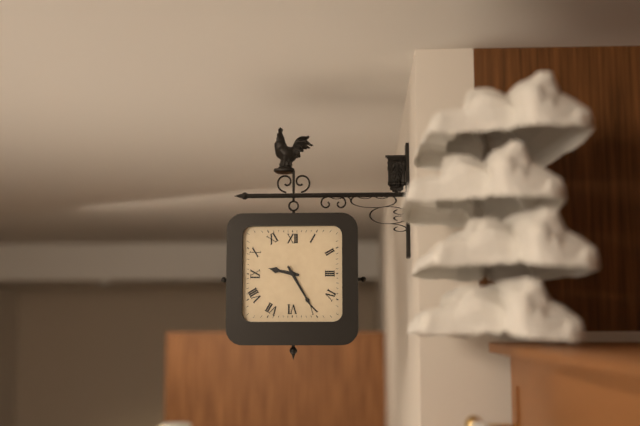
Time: **9:25**
